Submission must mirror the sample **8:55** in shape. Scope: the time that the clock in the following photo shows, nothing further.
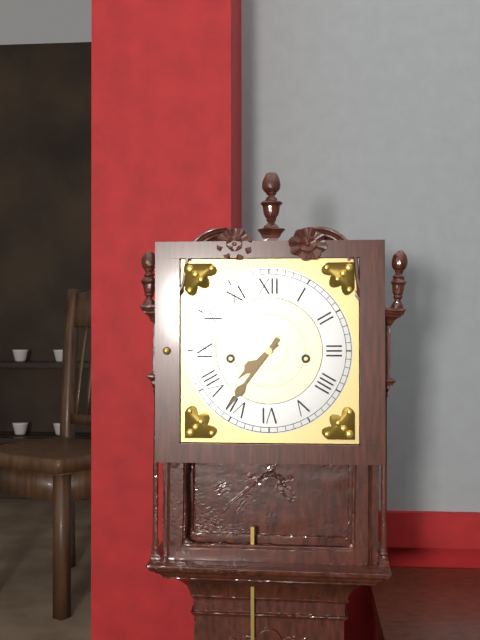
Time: **7:36**
